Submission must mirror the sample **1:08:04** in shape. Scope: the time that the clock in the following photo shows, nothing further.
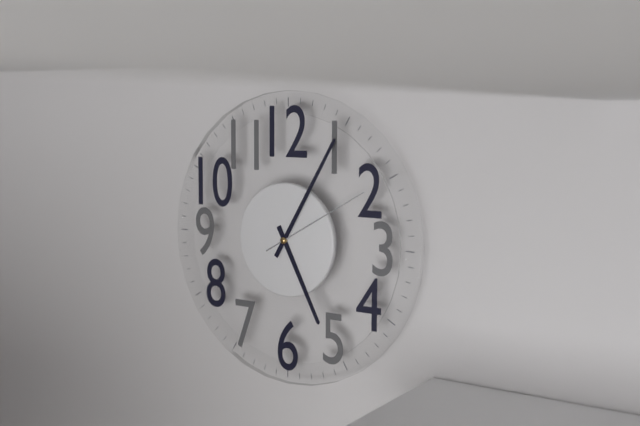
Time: **5:05:10**
